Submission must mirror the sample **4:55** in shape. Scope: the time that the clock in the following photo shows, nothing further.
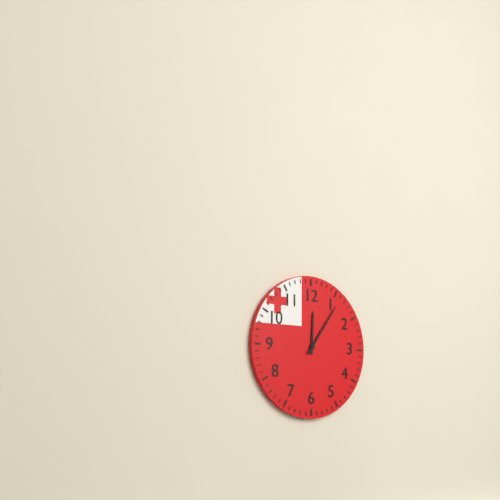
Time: **12:06**
